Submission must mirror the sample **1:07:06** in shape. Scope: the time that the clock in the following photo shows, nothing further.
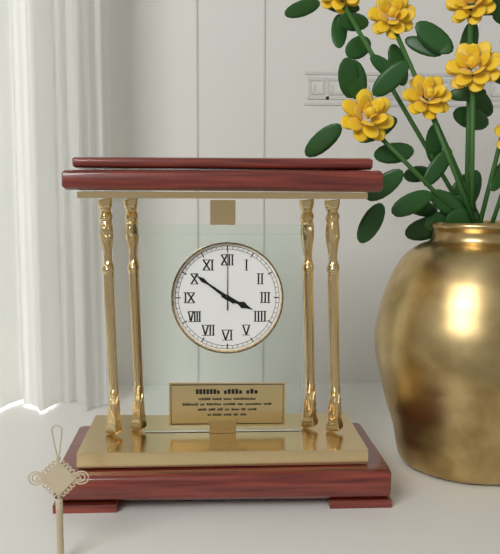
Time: **3:51:00**
